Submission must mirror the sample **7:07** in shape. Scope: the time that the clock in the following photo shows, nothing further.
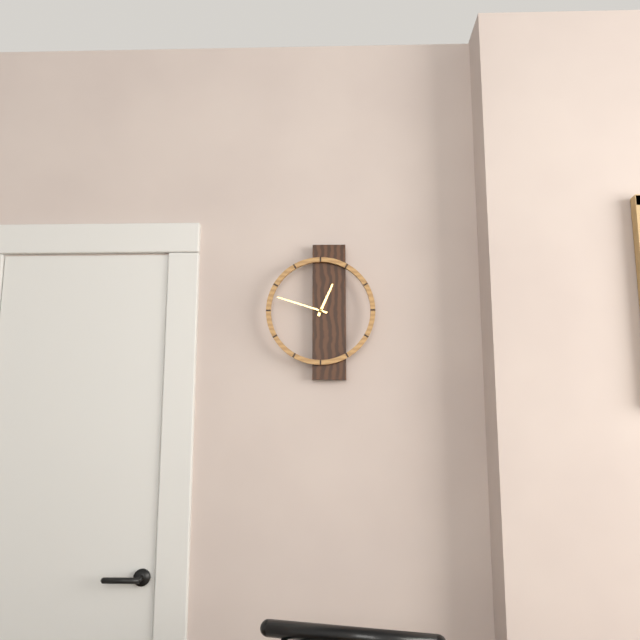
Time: **12:48**
